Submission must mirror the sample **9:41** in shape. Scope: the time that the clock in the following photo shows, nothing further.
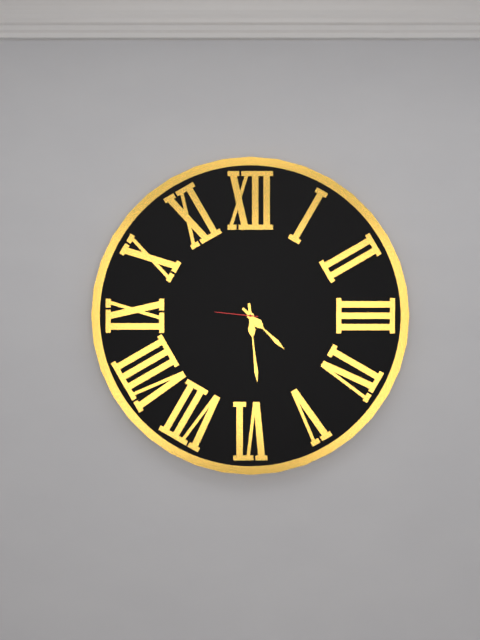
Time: **4:29**
